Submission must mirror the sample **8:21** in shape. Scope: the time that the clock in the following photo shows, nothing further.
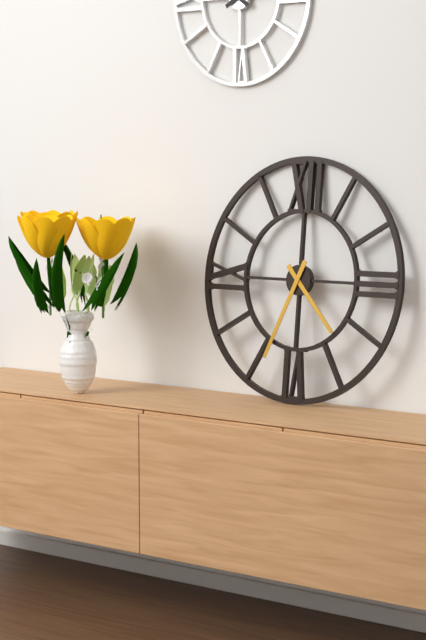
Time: **4:34**
